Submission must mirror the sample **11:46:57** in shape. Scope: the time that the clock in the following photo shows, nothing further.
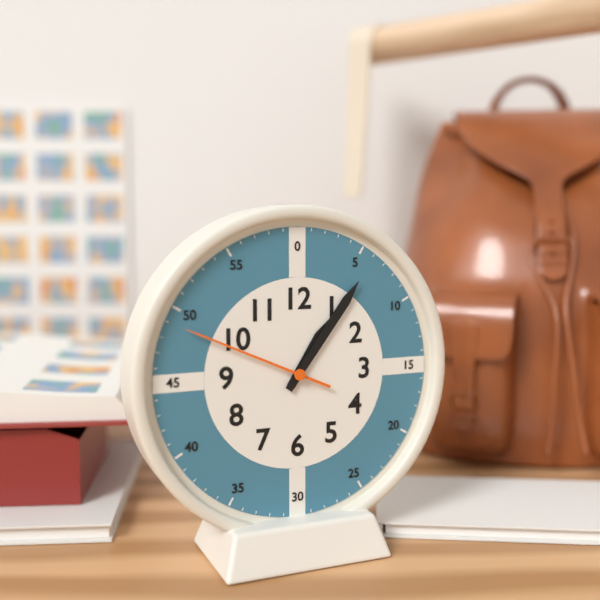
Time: **1:06:49**
